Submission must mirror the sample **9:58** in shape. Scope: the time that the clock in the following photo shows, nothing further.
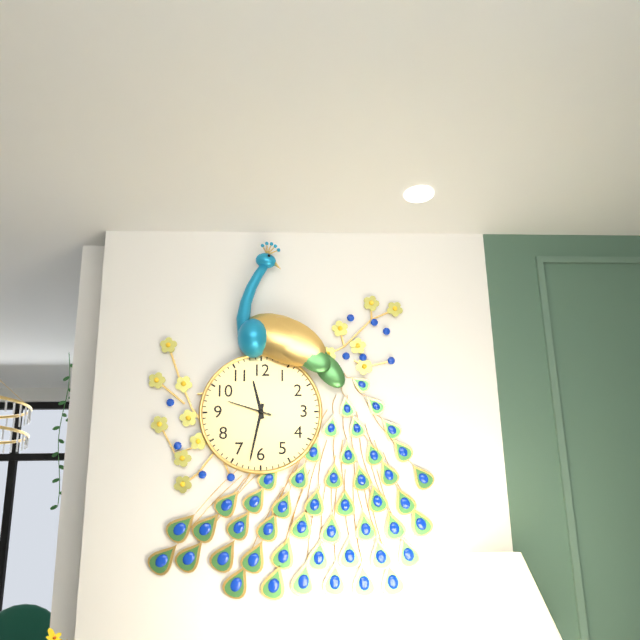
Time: **11:32**
